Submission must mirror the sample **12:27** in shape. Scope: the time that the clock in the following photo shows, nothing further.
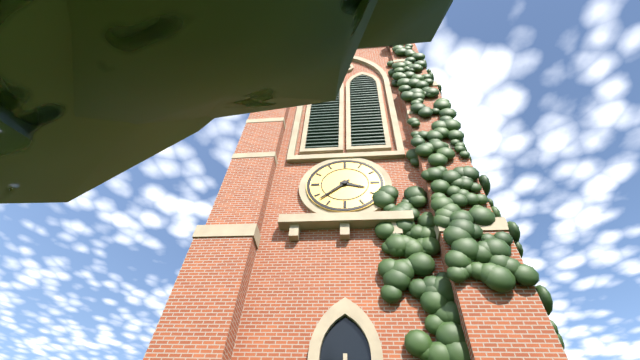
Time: **3:38**
